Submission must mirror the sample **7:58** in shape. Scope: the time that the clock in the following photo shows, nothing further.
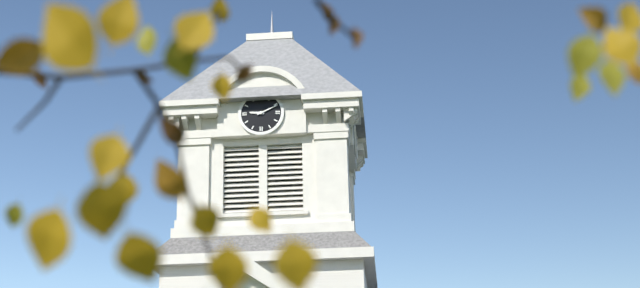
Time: **9:11**
